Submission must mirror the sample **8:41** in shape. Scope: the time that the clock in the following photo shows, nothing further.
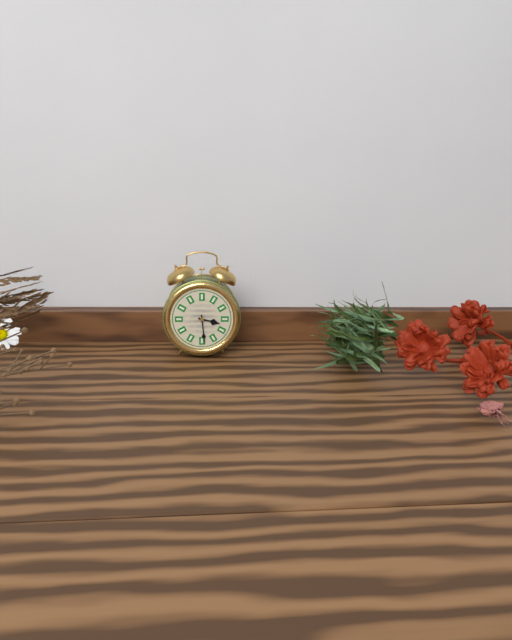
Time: **3:29**
